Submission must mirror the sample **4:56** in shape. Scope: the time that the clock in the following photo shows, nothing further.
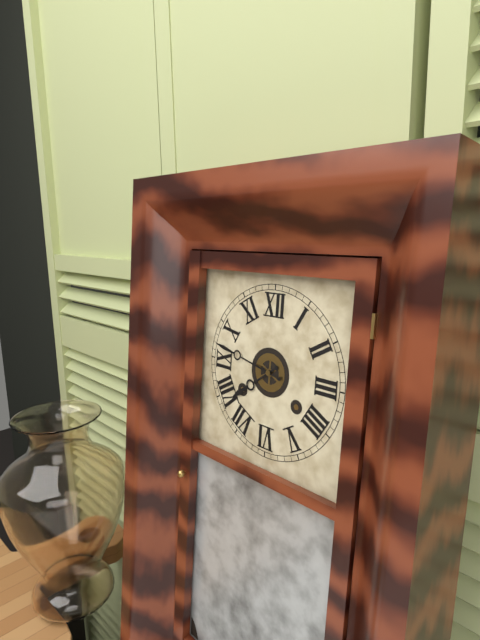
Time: **7:47**
